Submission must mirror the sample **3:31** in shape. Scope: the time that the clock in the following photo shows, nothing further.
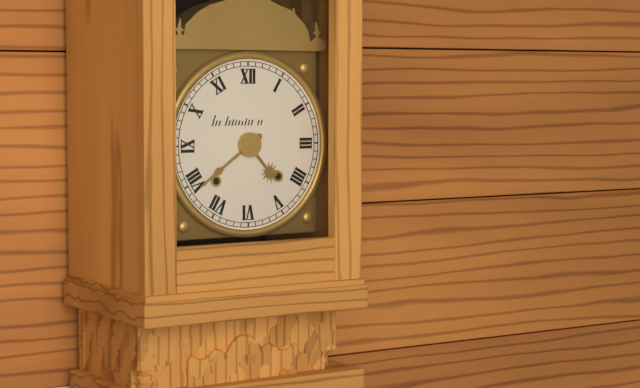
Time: **4:39**
